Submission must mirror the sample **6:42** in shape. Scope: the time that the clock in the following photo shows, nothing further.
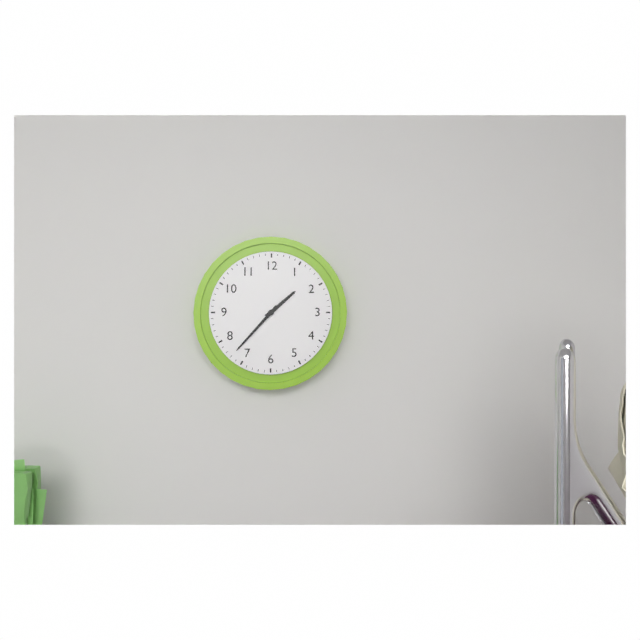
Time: **1:37**
